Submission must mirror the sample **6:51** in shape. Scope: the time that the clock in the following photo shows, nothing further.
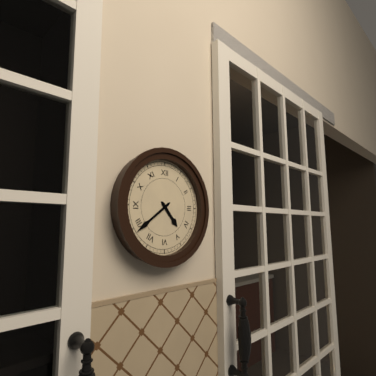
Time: **4:39**
